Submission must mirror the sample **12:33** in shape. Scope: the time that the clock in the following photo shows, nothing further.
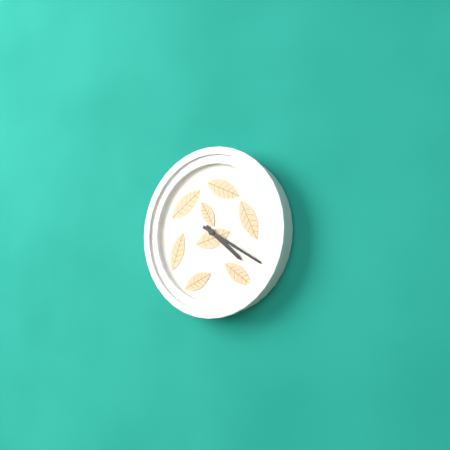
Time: **4:20**
